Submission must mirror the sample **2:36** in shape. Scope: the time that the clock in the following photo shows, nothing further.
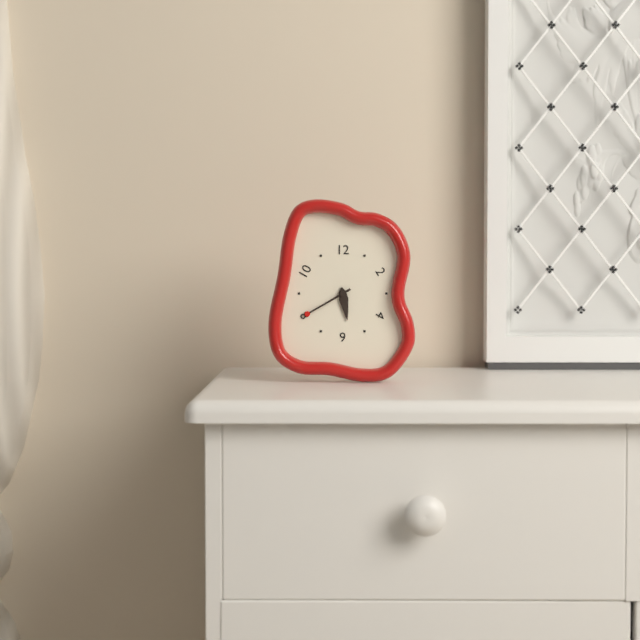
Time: **5:40**
